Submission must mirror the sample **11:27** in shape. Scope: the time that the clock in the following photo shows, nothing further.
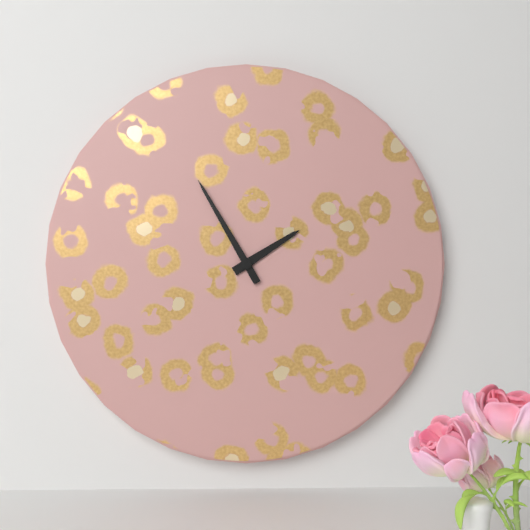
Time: **1:55**
